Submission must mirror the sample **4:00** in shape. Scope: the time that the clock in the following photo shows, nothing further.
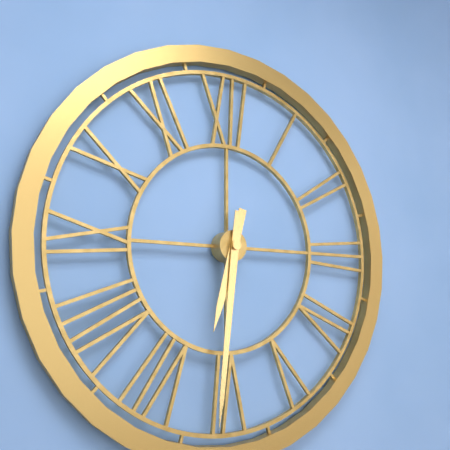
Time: **6:31**
